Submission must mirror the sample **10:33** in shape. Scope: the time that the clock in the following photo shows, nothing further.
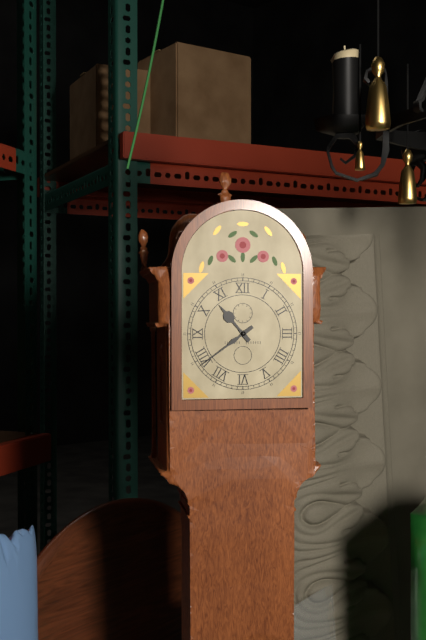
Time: **10:39**
